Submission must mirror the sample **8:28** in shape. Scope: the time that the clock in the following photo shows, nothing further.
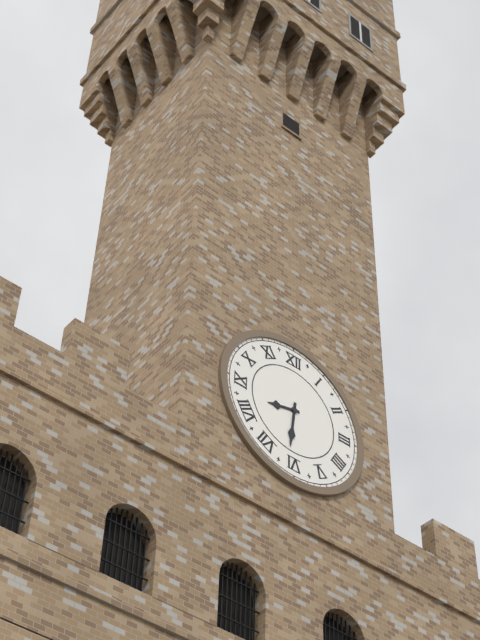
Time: **8:31**
